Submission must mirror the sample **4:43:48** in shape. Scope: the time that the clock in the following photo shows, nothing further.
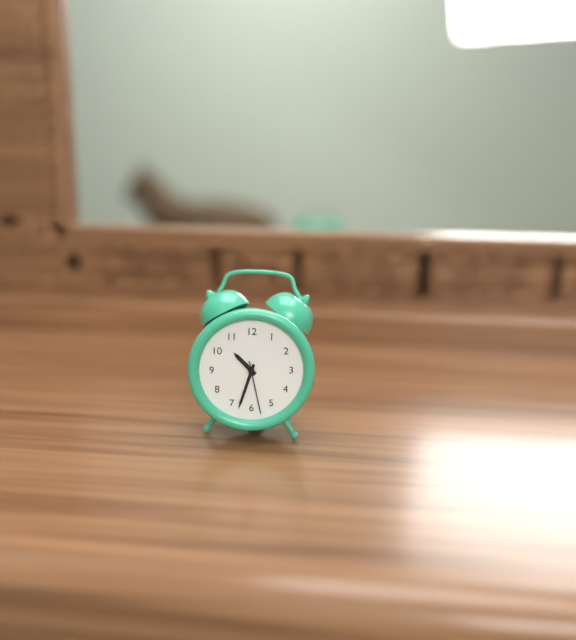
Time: **10:33:28**
